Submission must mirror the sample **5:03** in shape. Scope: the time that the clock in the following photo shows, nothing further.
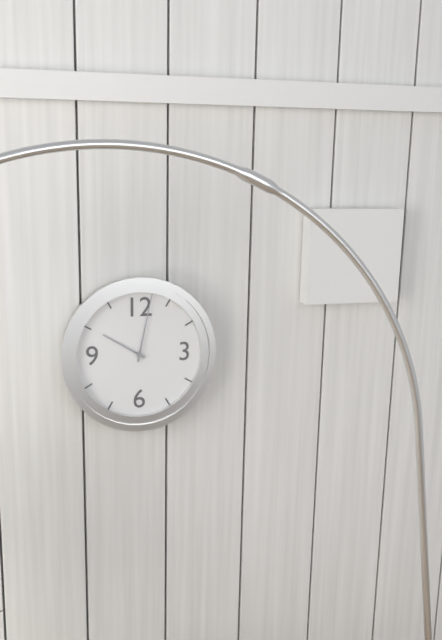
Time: **10:02**
